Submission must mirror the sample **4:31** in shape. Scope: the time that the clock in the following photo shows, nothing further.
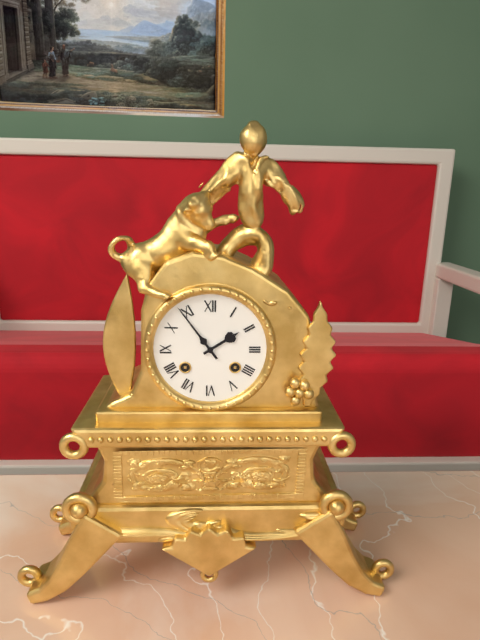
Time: **1:54**
